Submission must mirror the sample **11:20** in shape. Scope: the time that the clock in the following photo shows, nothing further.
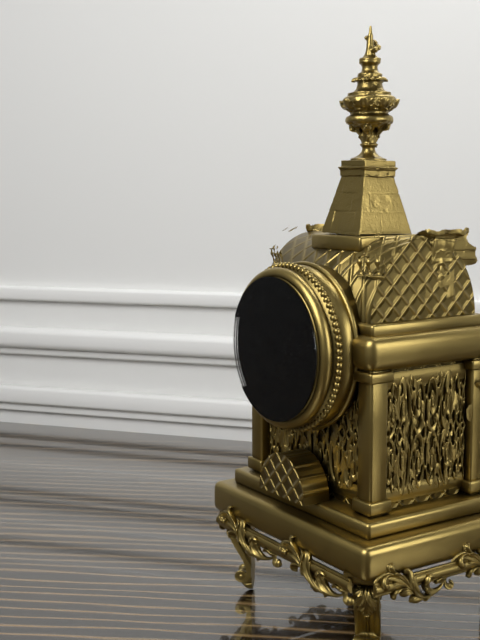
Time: **8:47**
